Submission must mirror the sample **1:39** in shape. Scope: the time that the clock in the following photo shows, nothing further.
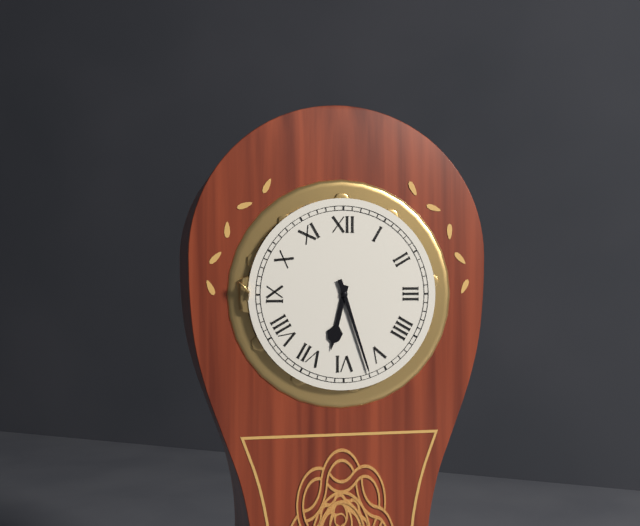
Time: **6:27**
